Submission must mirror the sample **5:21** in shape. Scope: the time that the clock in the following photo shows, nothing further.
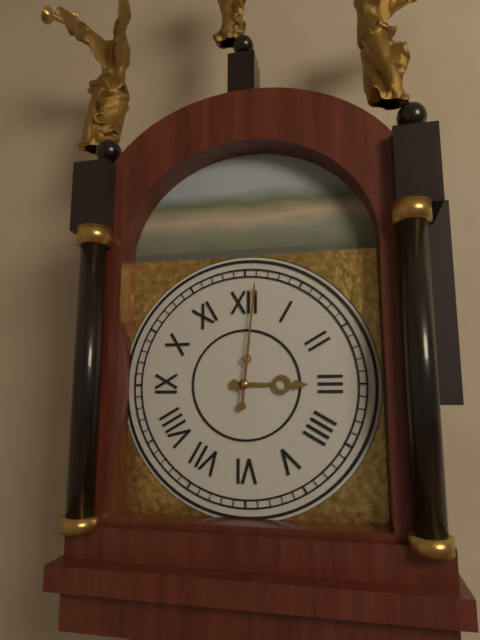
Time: **3:01**
